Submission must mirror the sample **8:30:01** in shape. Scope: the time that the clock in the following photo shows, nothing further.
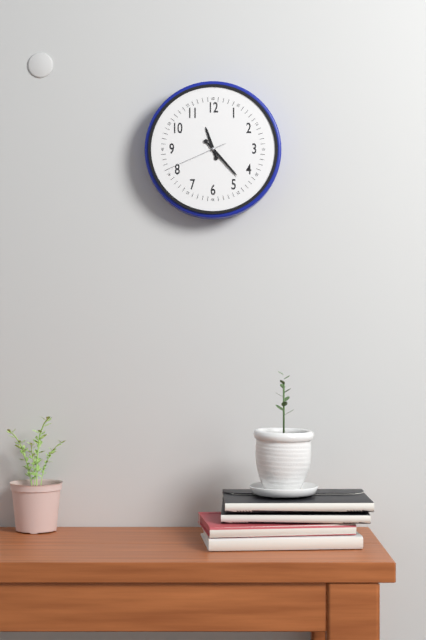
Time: **11:23:41**
